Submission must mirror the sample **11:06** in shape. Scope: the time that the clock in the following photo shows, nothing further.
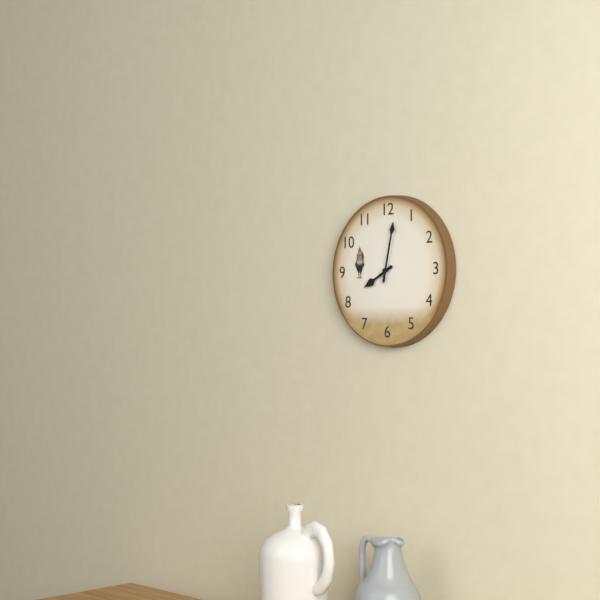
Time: **8:02**
